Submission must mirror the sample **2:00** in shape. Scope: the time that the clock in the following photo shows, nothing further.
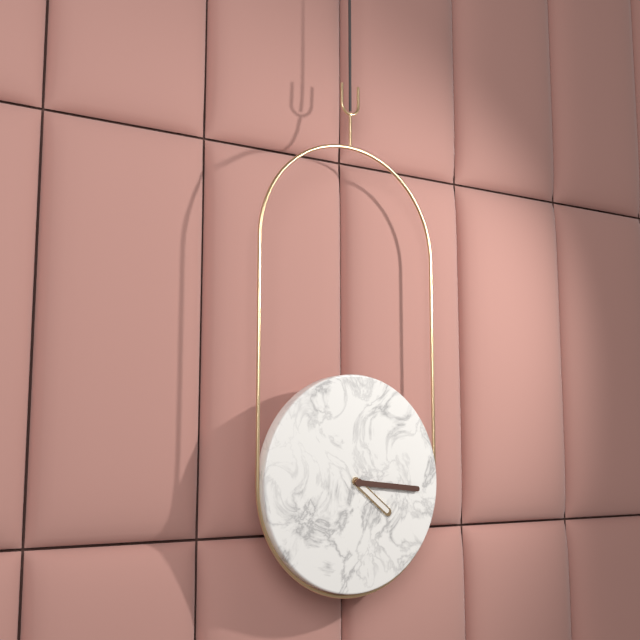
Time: **4:16**
